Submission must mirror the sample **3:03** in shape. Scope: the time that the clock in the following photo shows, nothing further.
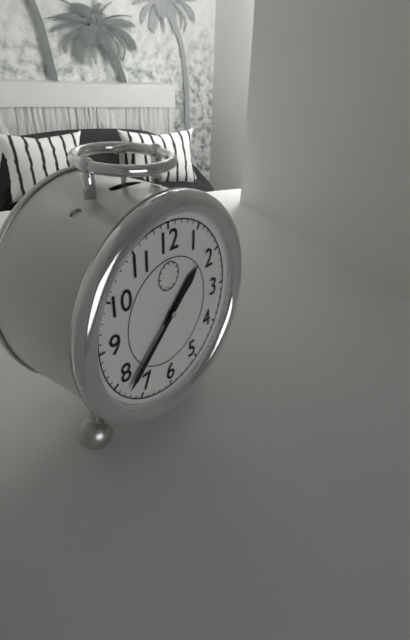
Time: **1:38**
